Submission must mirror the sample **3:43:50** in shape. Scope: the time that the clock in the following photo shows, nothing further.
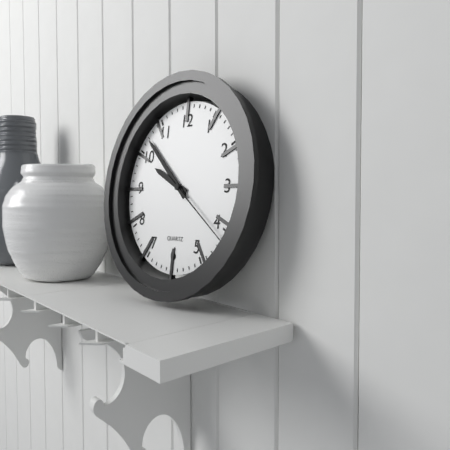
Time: **9:52:21**
